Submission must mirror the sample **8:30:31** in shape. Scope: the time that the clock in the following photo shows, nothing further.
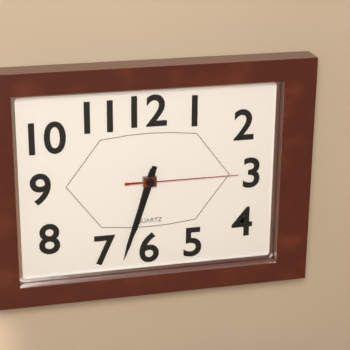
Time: **6:33:15**
